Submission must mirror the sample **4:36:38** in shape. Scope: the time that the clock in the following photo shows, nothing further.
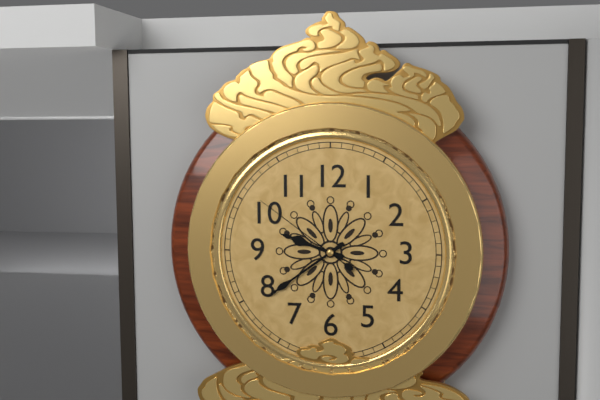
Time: **9:39:51**
